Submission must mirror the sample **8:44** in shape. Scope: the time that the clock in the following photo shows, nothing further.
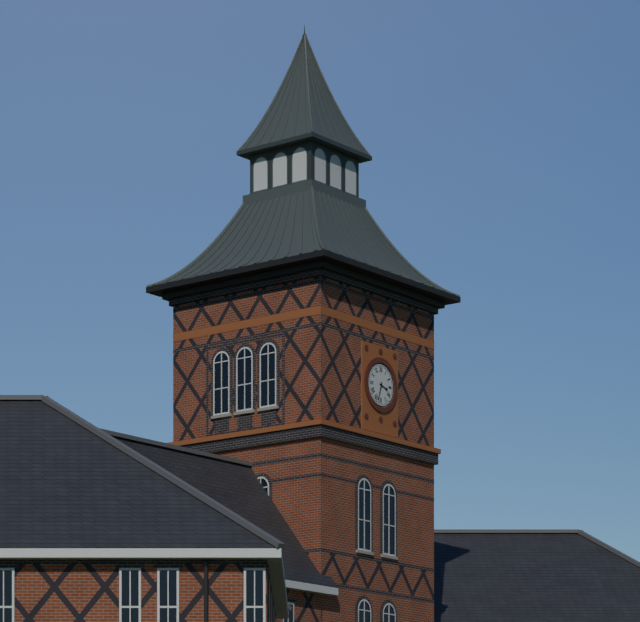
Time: **3:33**
